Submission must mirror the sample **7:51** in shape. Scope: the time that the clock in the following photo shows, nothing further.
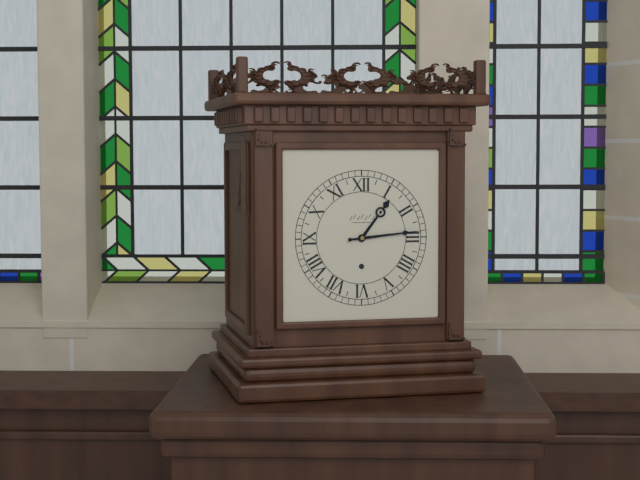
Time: **1:14**
